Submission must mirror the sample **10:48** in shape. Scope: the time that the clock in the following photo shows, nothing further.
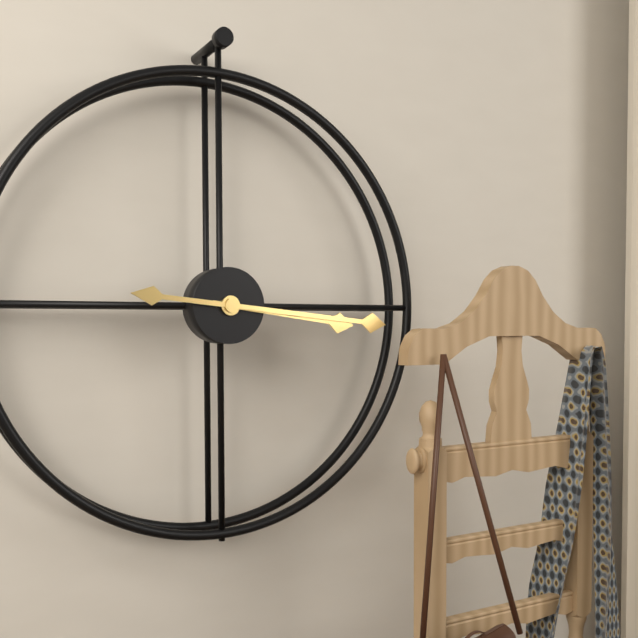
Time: **3:16**
